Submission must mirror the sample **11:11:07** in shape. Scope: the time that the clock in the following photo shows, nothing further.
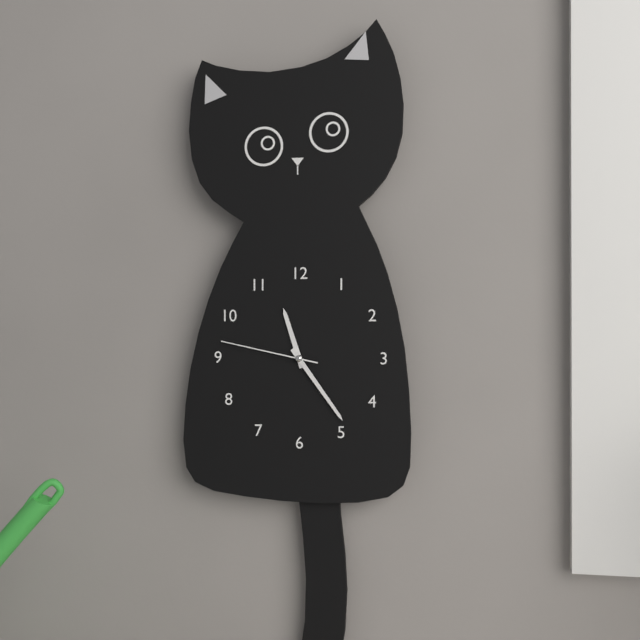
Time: **11:24:47**
